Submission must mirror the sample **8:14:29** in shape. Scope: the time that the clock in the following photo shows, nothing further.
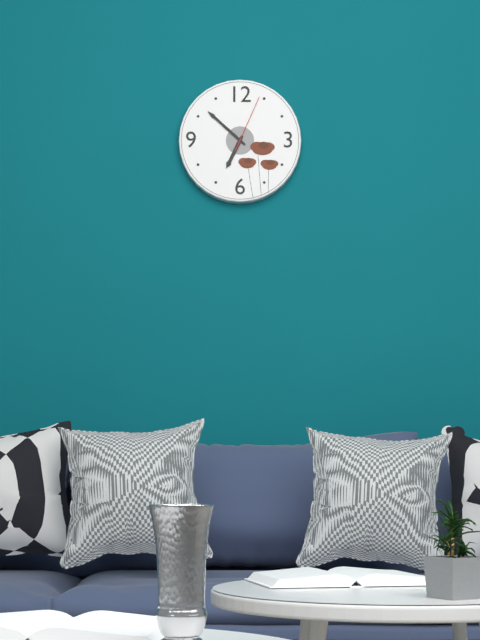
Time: **6:52:04**
